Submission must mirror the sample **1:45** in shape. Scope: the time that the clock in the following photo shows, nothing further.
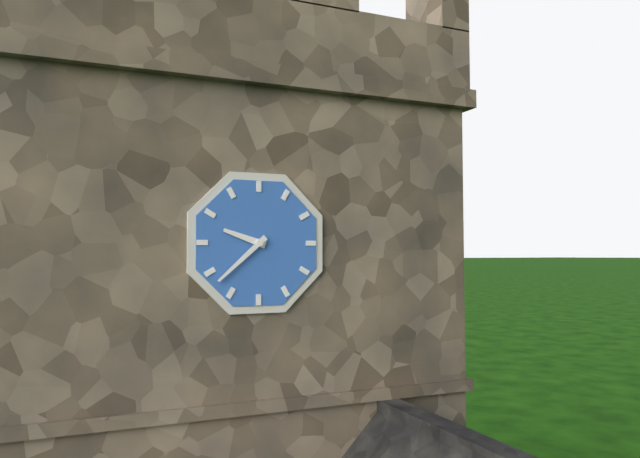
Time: **9:38**
